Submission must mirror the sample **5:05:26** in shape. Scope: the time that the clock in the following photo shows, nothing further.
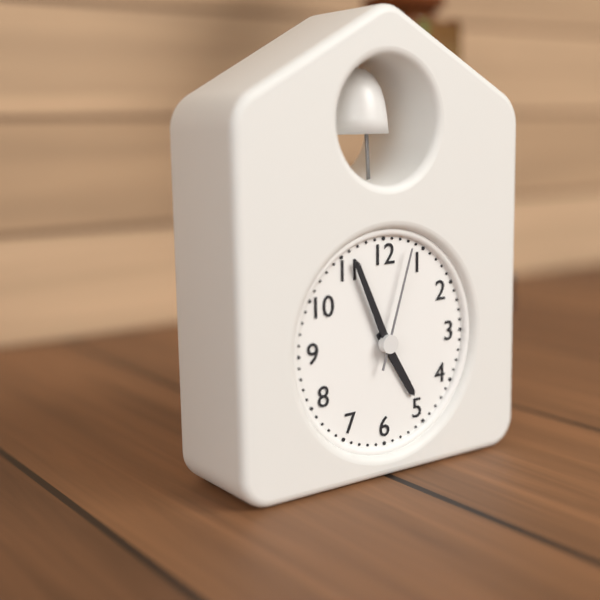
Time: **4:56:03**
